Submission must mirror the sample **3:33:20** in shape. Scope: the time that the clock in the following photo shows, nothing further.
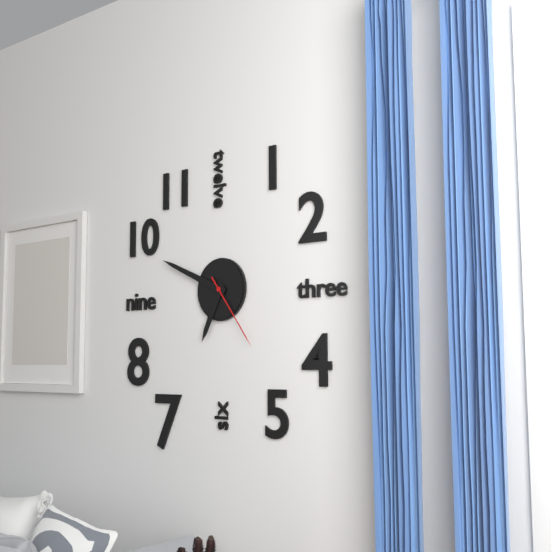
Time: **6:49:24**
